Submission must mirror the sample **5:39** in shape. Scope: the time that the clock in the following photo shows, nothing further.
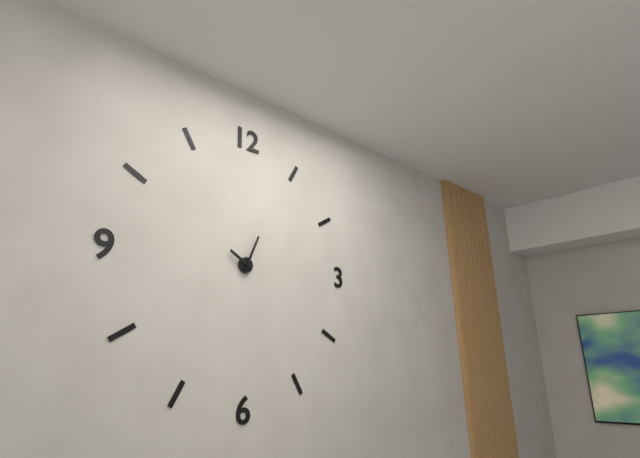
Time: **10:04**
